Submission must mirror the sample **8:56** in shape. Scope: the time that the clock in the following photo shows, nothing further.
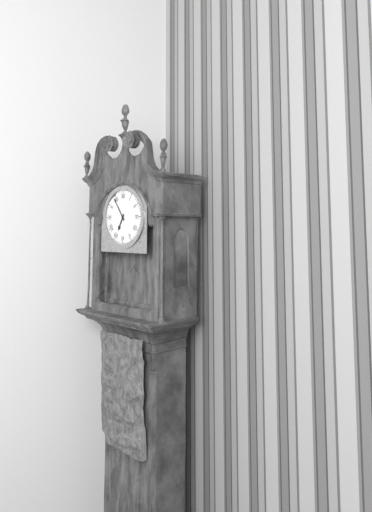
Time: **6:54**
